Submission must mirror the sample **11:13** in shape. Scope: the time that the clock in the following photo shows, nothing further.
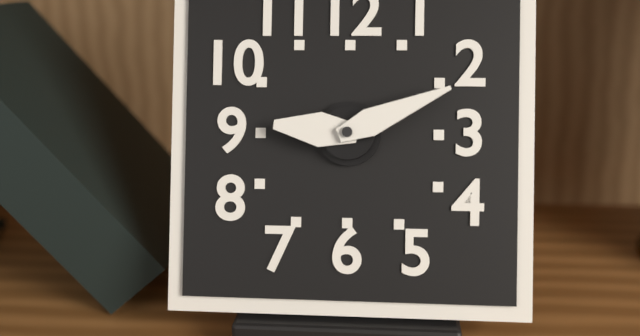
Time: **9:11**
